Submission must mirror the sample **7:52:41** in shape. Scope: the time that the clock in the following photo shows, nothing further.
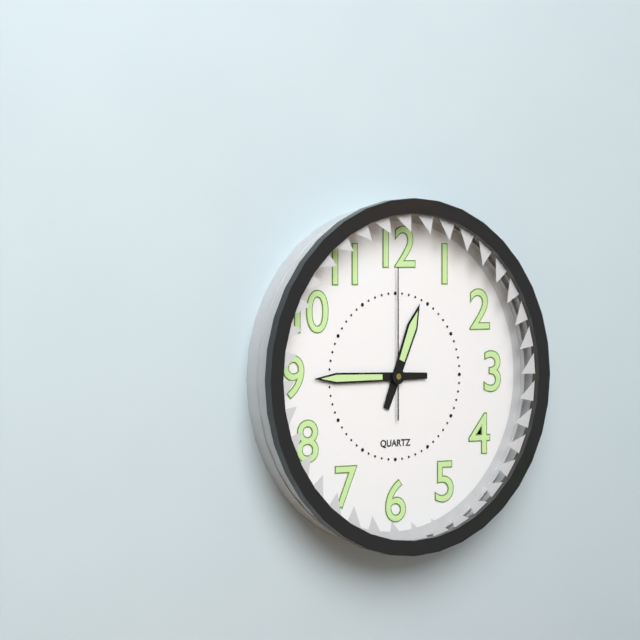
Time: **12:45:00**
